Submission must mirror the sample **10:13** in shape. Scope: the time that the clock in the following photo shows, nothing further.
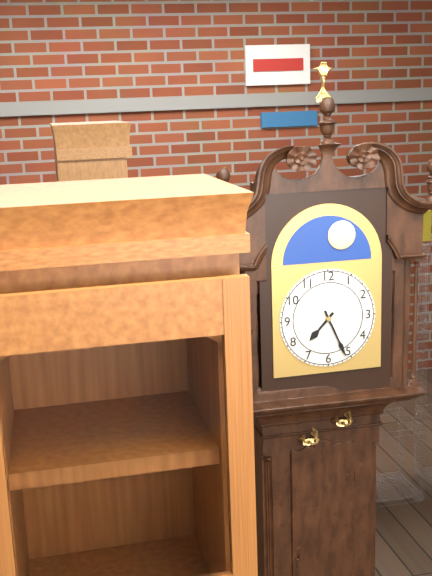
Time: **7:26**
